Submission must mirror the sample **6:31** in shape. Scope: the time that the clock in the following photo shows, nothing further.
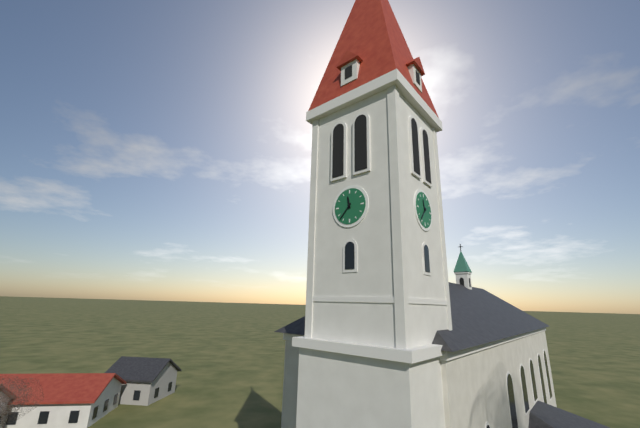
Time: **11:37**
